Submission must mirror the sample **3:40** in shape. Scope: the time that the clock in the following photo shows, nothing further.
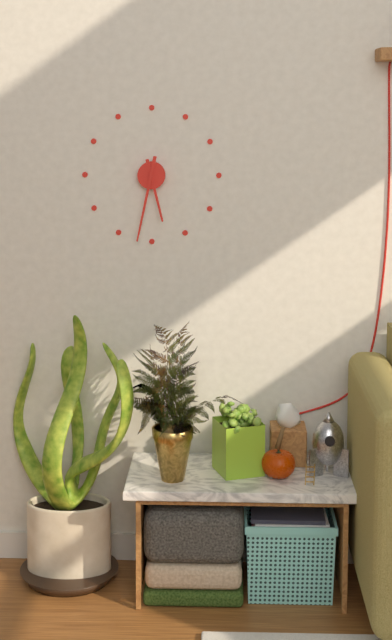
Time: **5:32**
